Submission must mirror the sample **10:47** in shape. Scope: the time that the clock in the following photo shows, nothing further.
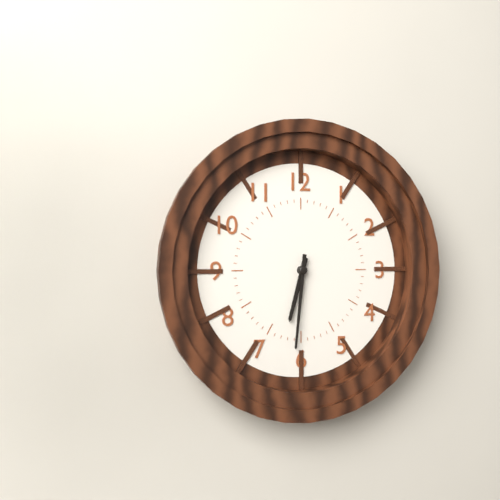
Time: **6:31**
